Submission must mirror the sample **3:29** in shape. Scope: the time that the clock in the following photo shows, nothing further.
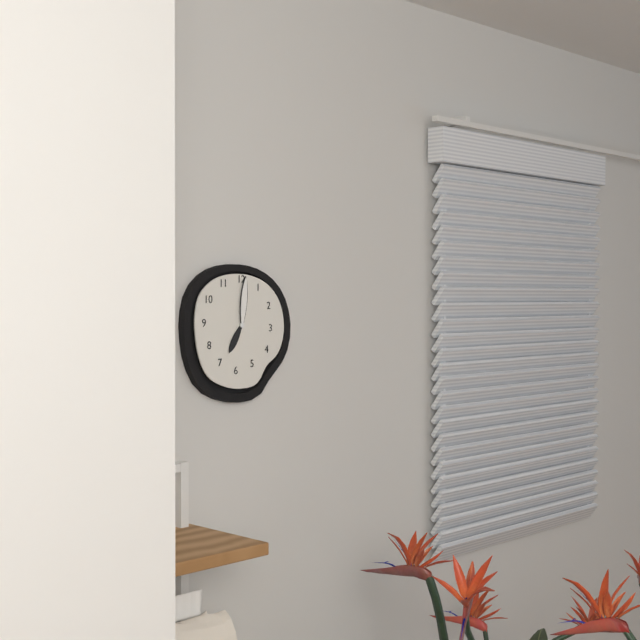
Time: **7:01**
